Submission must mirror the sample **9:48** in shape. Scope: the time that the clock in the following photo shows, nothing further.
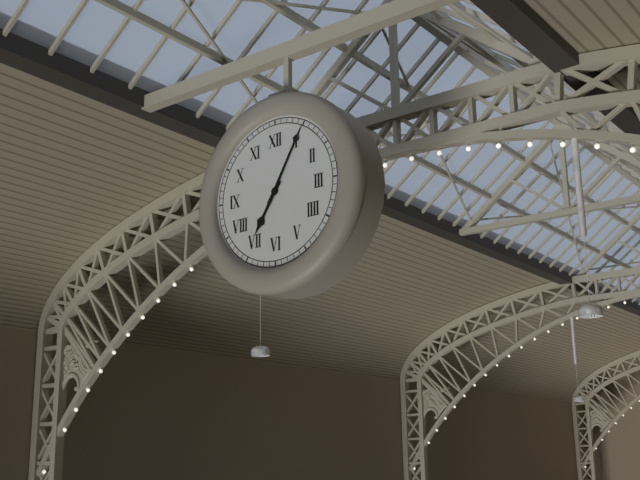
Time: **7:05**
